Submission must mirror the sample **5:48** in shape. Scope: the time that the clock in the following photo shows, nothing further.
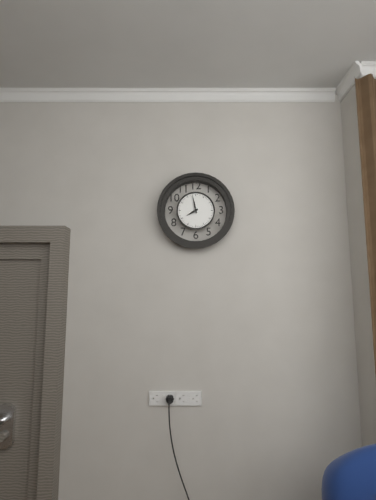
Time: **7:58**
